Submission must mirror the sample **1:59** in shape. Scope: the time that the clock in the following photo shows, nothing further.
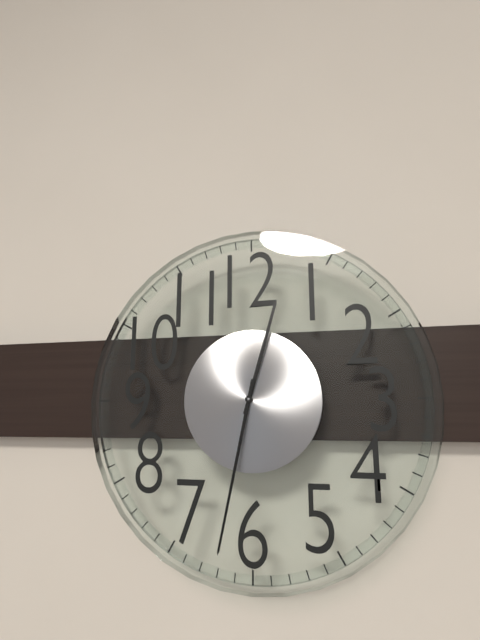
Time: **12:32**
